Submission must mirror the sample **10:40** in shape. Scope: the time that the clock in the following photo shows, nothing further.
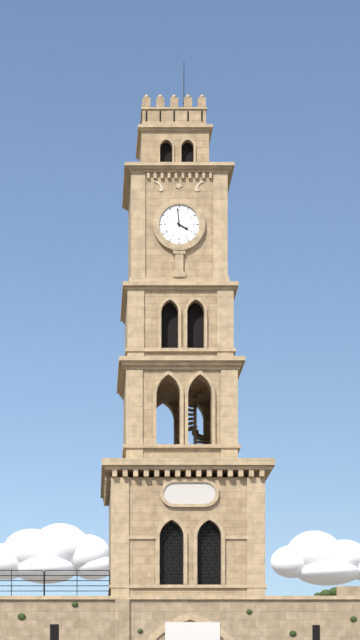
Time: **3:59**
